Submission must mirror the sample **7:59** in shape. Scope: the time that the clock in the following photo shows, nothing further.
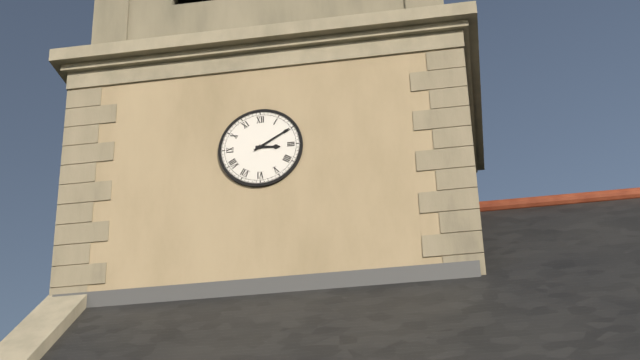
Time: **3:10**
